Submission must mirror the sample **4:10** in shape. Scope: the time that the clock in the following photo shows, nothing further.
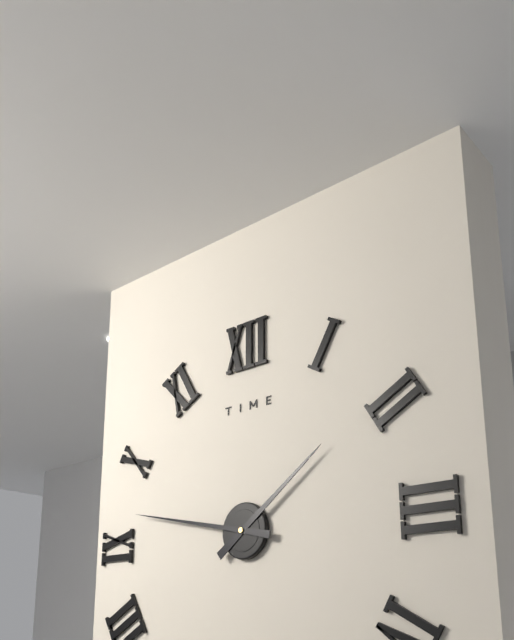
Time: **1:47**
